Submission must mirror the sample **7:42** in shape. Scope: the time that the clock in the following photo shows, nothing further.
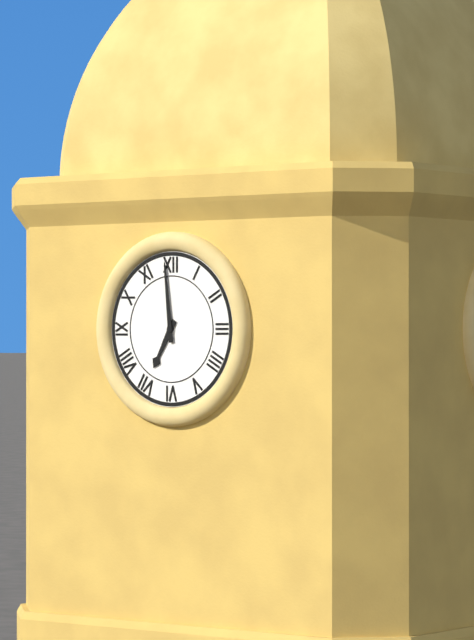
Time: **6:59**
